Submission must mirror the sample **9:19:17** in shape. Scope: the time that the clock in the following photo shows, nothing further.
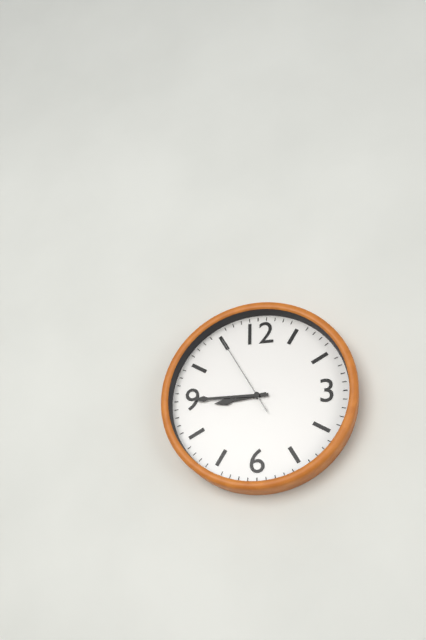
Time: **8:45:55**
